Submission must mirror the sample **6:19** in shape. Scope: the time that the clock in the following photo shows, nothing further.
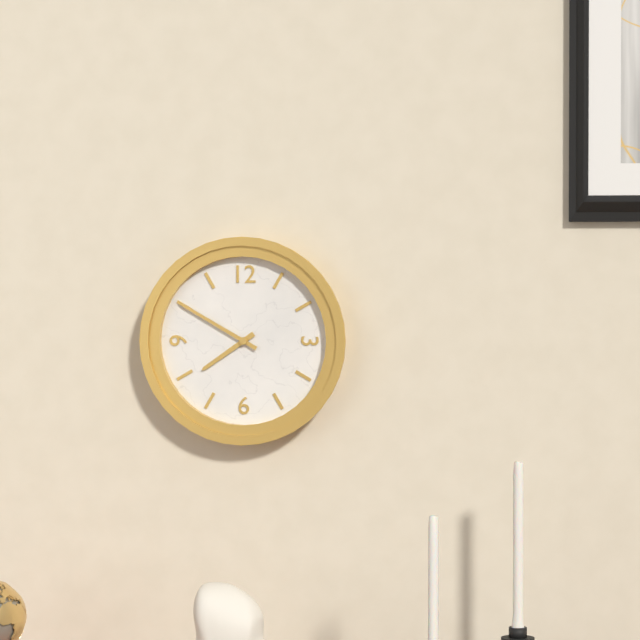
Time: **7:50**
